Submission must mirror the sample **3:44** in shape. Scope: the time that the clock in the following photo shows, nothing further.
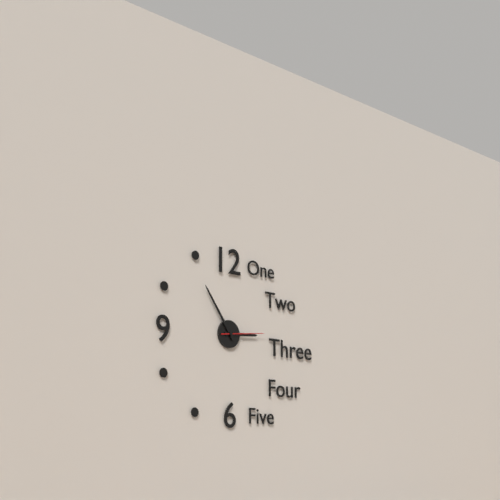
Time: **2:54**
